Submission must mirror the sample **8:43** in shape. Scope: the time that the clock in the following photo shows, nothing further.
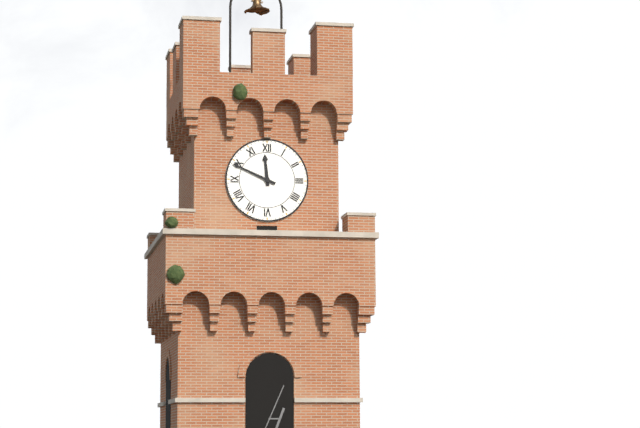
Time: **11:49**
